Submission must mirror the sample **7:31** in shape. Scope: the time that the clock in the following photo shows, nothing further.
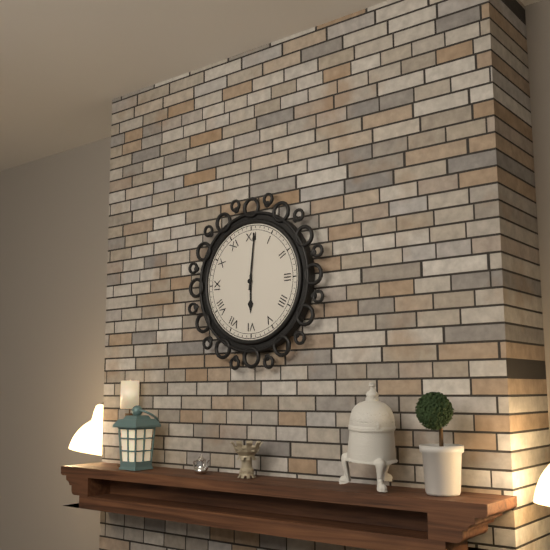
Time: **6:01**
